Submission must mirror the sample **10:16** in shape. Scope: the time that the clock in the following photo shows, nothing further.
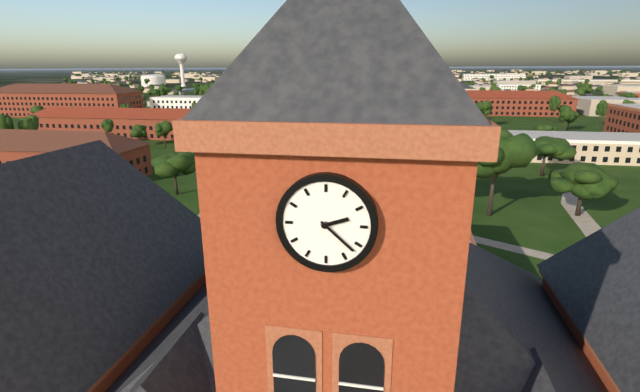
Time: **2:22**
